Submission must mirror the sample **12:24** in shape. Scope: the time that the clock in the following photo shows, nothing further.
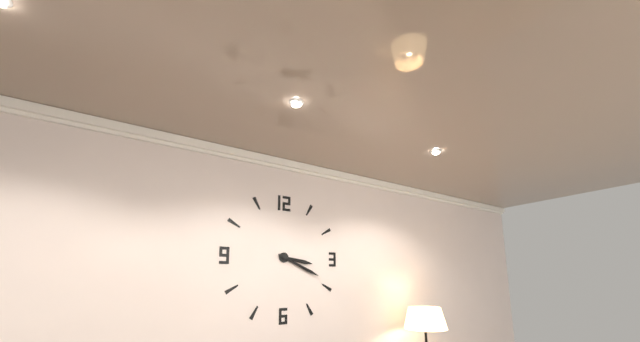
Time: **3:19**
